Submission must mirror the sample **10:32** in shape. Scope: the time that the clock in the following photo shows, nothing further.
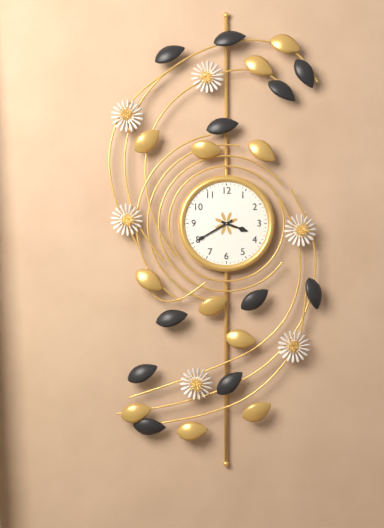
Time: **3:40**
